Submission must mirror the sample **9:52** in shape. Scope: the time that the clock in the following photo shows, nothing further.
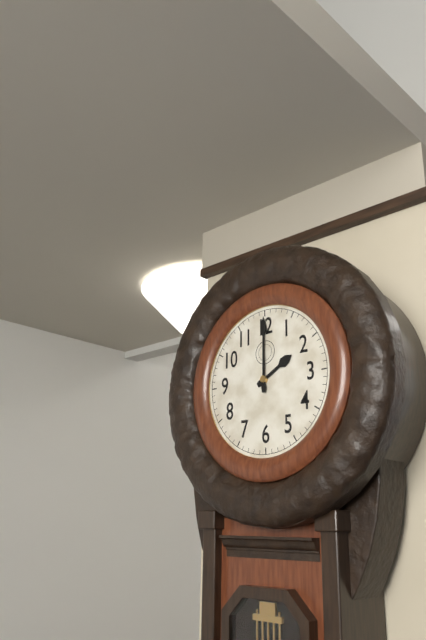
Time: **2:00**
